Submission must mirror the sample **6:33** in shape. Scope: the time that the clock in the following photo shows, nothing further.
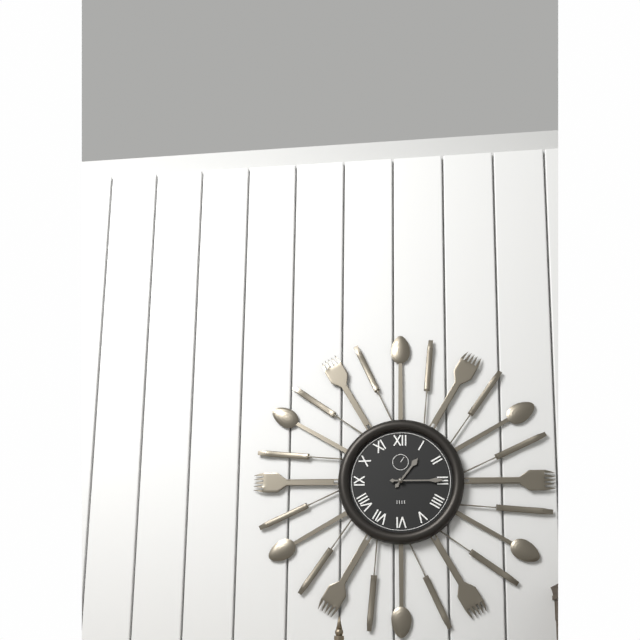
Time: **1:15**
